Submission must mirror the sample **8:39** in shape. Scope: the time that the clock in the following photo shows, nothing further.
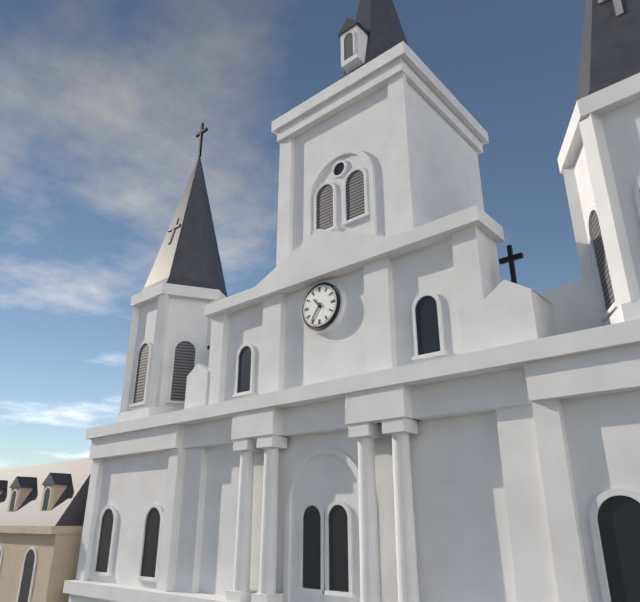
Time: **10:36**
